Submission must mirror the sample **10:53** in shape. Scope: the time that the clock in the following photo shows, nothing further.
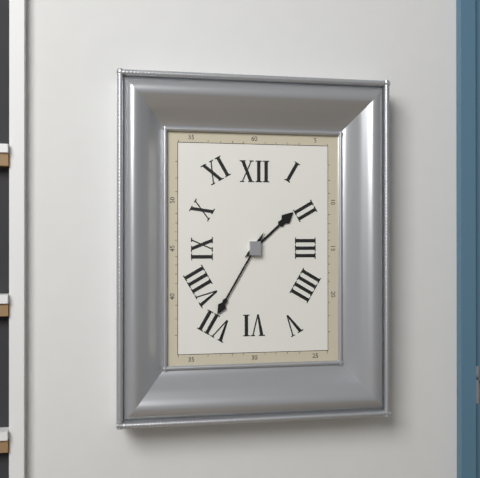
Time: **1:35**
